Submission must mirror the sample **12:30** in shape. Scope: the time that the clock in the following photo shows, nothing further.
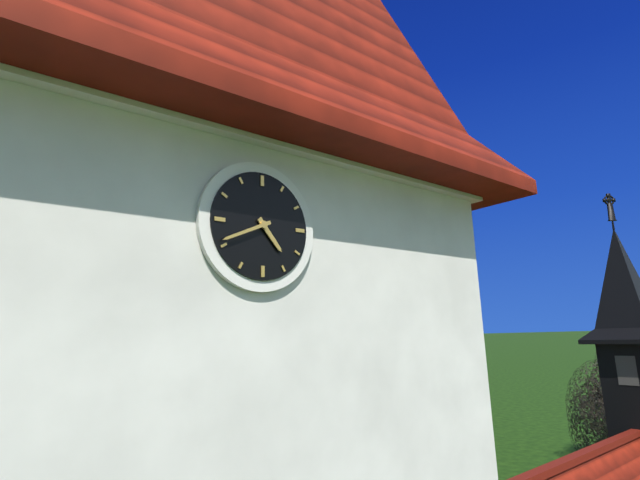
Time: **4:41**
